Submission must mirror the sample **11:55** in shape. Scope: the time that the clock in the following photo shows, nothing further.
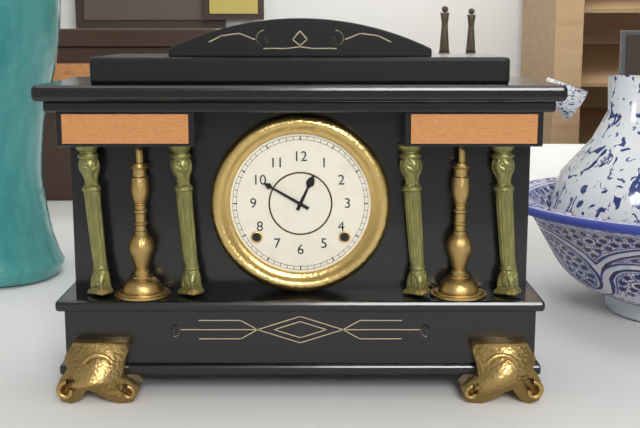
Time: **12:50**
